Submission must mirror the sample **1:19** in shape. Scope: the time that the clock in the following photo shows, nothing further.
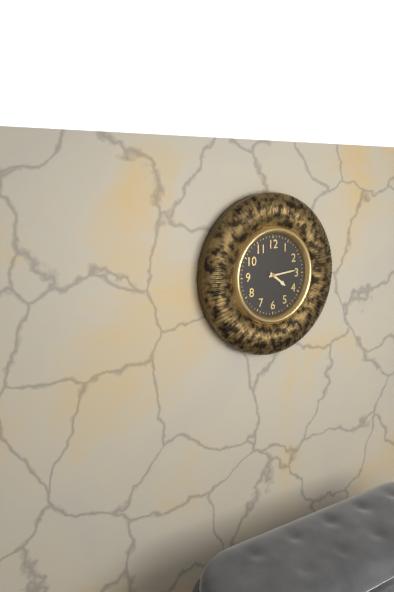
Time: **4:14**
